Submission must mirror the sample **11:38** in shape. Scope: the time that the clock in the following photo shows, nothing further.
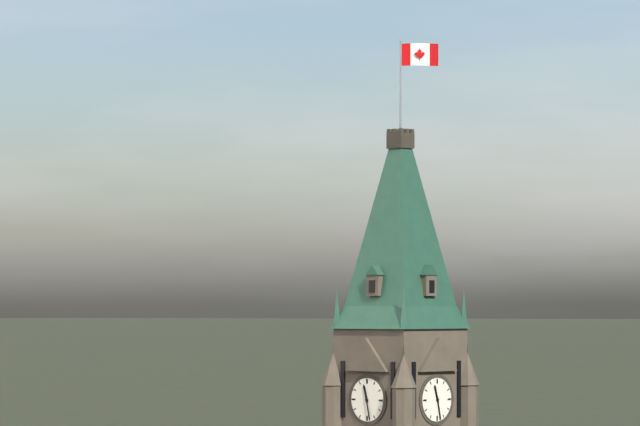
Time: **11:28**
